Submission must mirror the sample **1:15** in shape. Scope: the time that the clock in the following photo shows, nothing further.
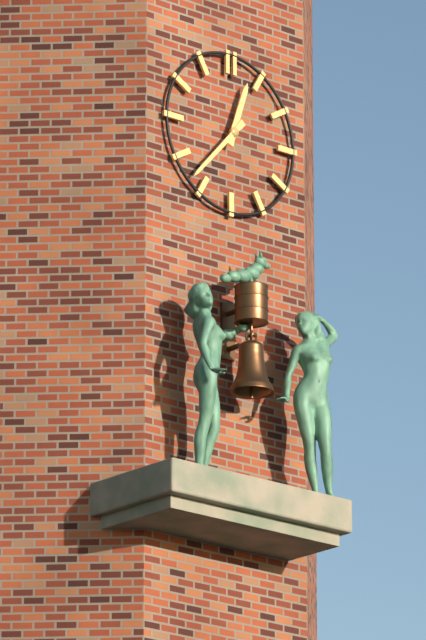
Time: **12:37**
